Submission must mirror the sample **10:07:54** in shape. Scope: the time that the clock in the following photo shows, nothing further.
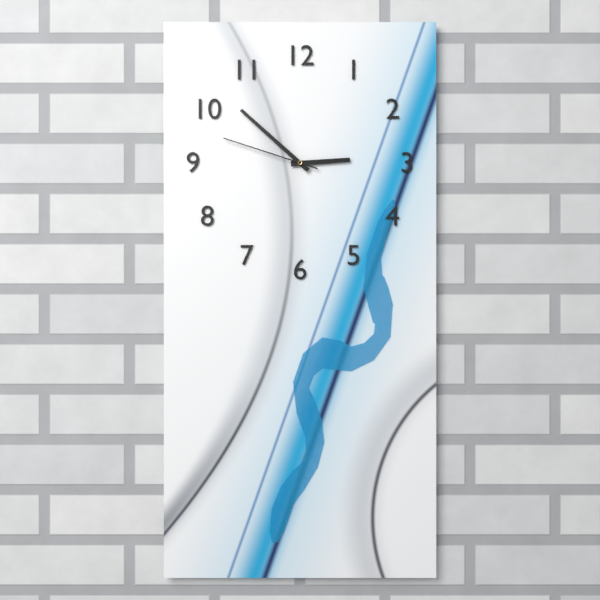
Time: **2:52:48**
